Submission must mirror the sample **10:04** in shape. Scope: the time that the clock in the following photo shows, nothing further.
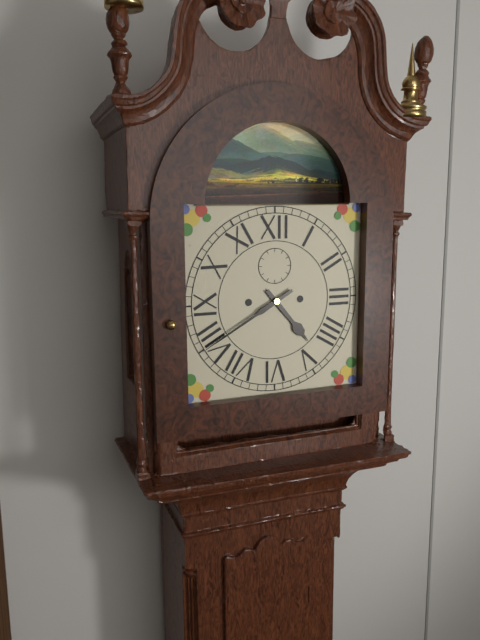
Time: **4:40**
